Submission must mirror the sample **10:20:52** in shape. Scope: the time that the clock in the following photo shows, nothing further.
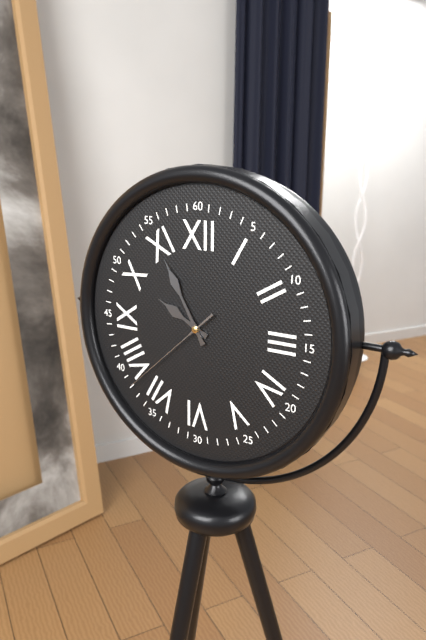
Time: **9:55:38**
